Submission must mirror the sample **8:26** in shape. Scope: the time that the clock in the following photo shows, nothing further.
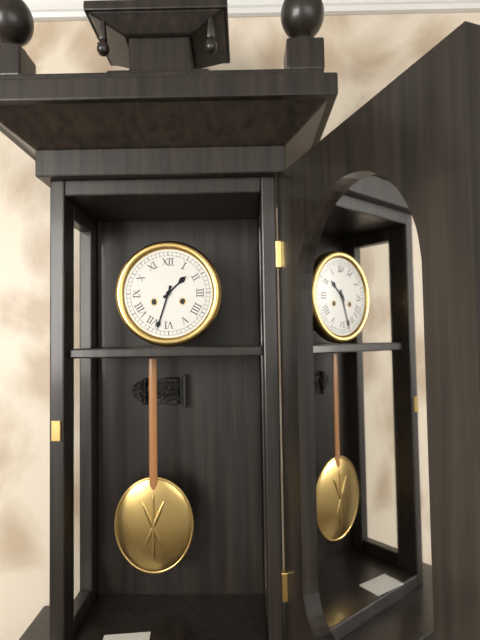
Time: **1:33**
